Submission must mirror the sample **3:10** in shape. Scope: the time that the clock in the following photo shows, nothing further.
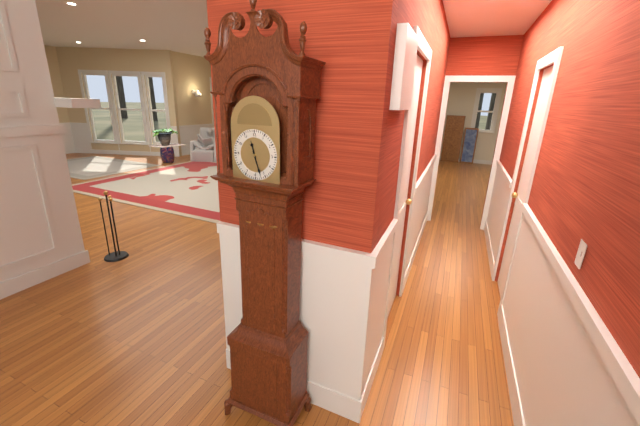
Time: **11:27**
